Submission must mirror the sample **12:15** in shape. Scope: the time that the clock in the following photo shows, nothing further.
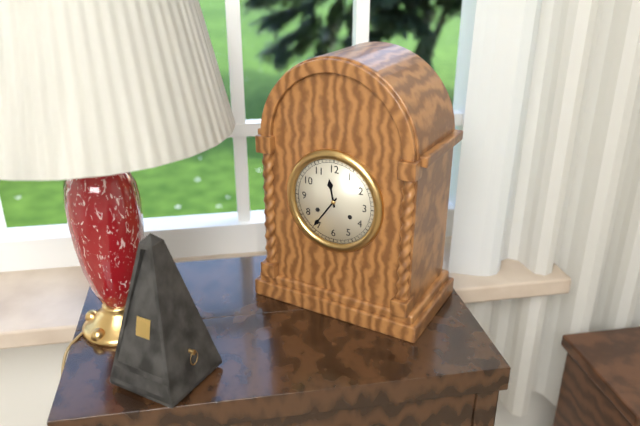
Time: **11:36**
